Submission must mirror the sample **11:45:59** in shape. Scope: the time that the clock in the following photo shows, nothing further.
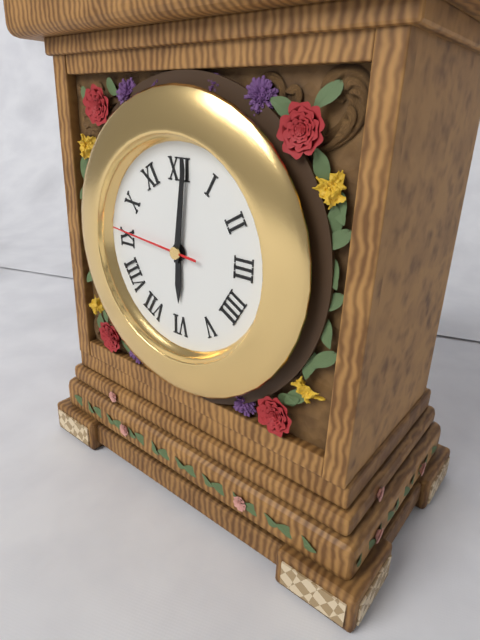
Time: **6:01:46**
